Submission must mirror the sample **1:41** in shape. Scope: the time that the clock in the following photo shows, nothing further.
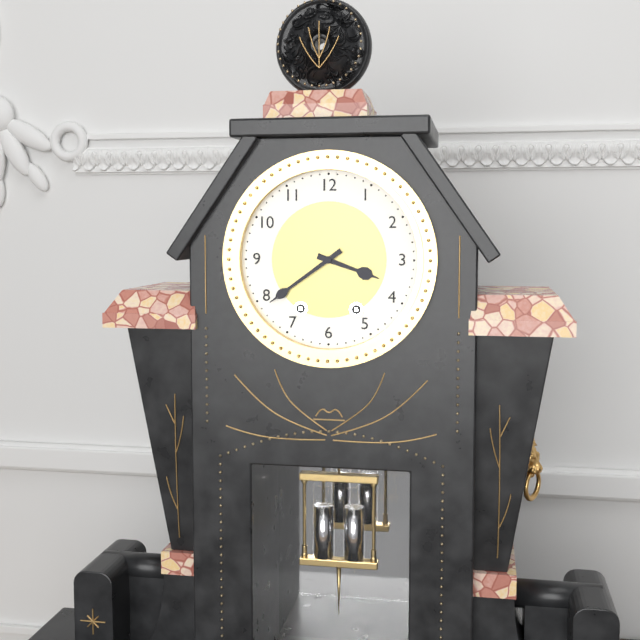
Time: **3:39**
